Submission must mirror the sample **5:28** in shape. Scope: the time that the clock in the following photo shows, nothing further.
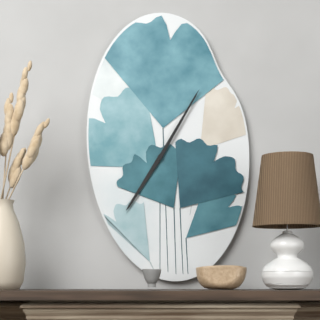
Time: **7:05**
